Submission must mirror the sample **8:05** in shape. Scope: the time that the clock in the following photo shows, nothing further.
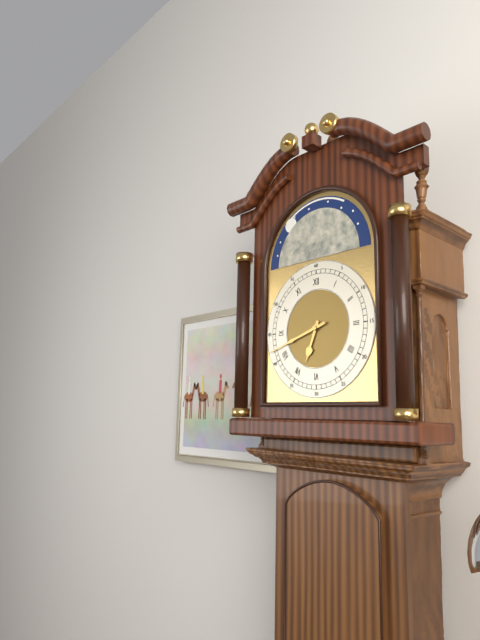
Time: **6:42**
